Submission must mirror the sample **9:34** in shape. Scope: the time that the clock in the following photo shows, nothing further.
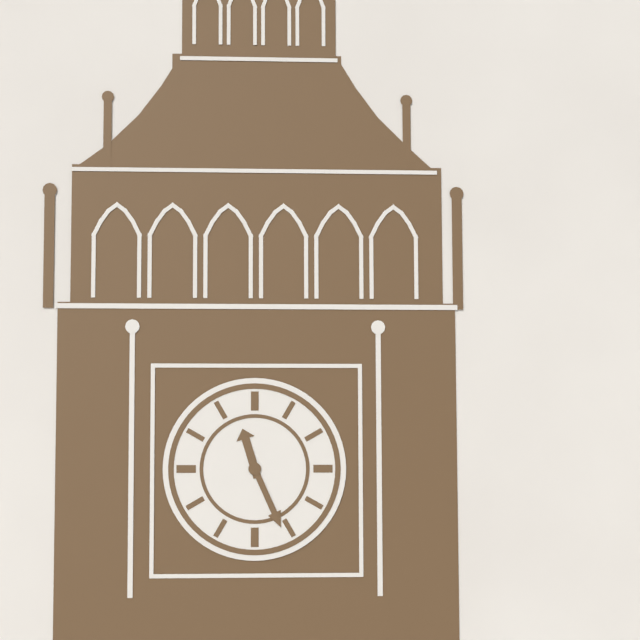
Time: **11:26**
